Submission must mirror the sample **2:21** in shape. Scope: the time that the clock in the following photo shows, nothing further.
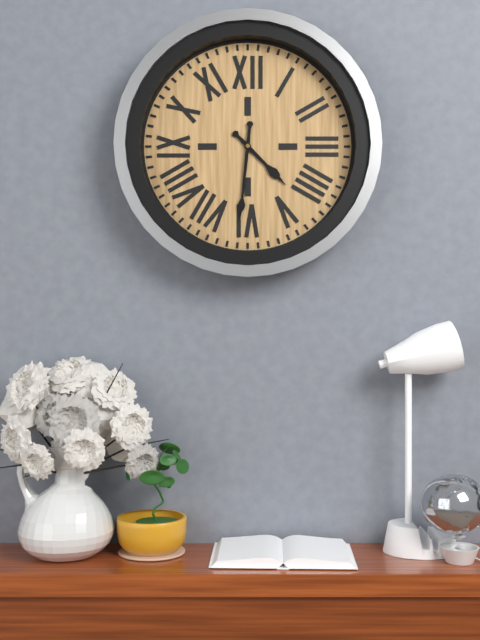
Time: **4:31**
